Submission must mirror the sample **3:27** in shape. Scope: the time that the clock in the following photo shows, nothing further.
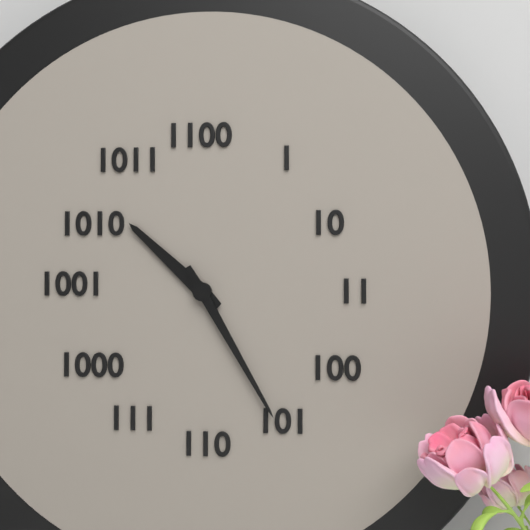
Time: **10:25**
